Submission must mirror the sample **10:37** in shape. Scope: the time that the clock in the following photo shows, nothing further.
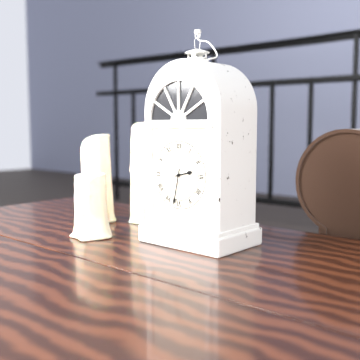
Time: **2:32**
